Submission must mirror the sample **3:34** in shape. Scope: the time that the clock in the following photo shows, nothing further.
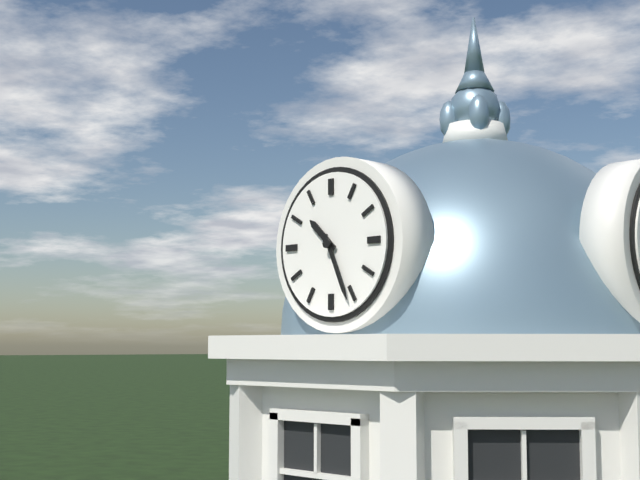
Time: **10:26**
